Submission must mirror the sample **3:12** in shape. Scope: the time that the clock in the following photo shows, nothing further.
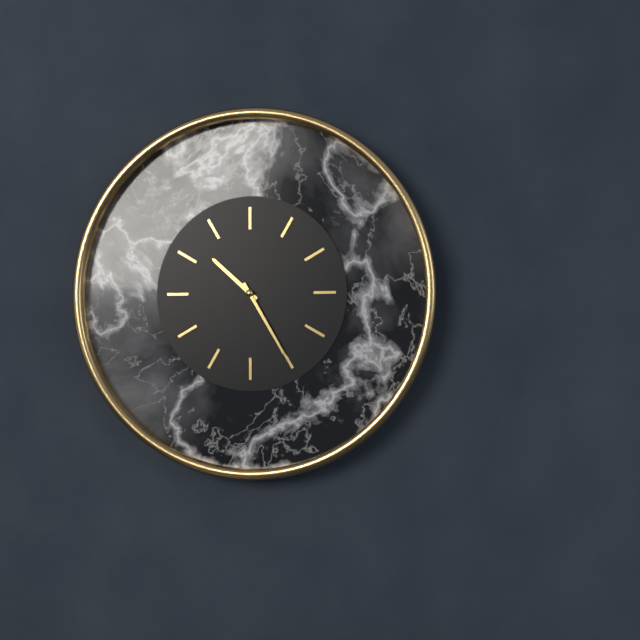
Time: **10:25**
